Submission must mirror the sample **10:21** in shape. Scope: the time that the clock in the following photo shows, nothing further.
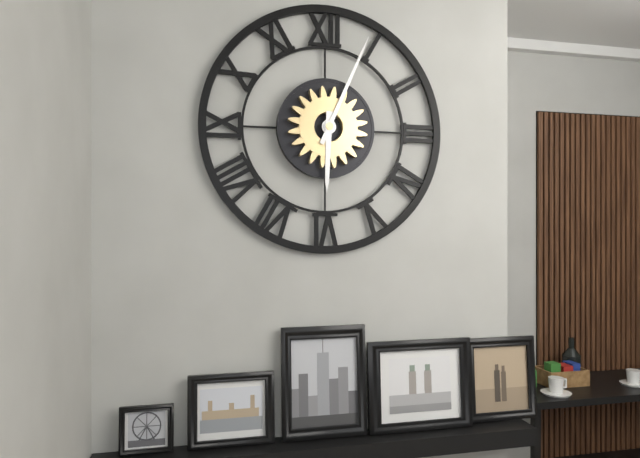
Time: **6:04**
